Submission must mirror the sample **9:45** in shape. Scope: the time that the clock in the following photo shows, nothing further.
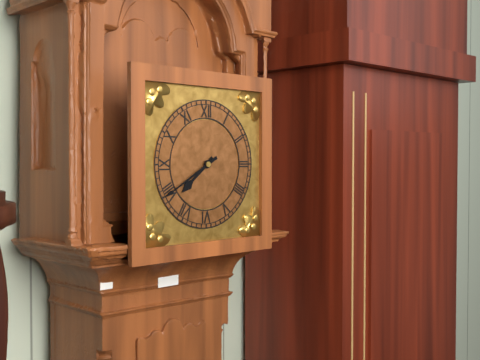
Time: **7:40**
